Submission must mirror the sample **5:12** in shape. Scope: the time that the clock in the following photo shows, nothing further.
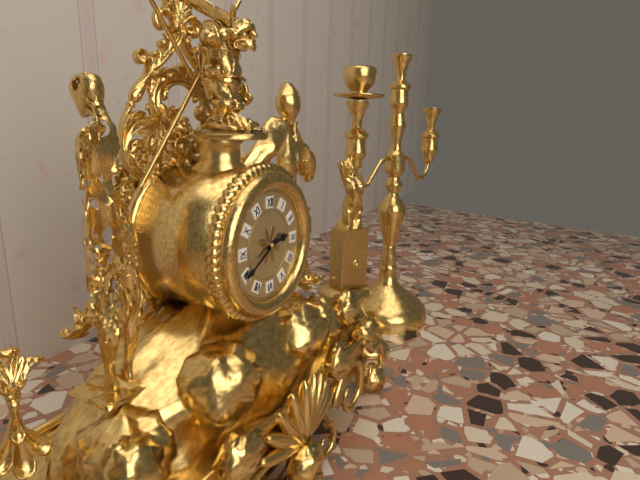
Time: **2:40**
